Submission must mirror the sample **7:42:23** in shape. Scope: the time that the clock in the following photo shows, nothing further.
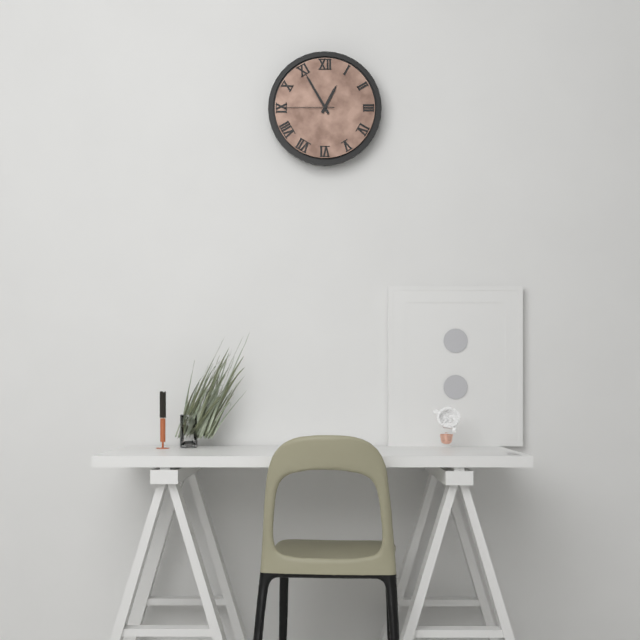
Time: **12:55:45**
